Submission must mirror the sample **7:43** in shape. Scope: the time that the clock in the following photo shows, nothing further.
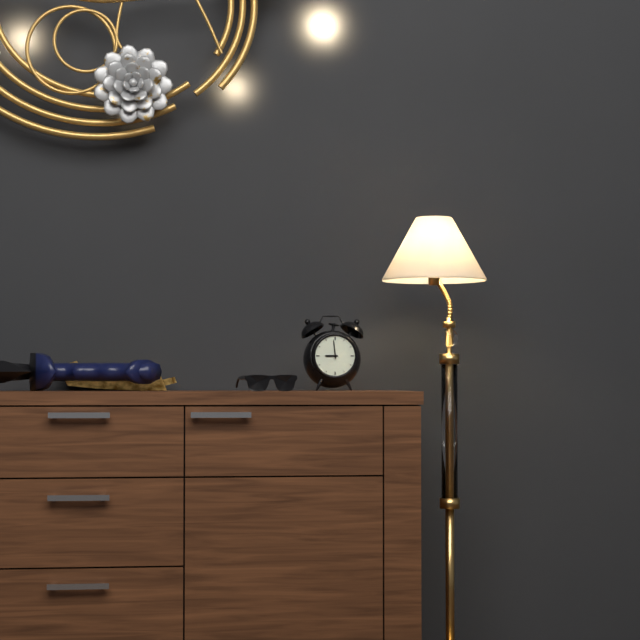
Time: **8:59**
